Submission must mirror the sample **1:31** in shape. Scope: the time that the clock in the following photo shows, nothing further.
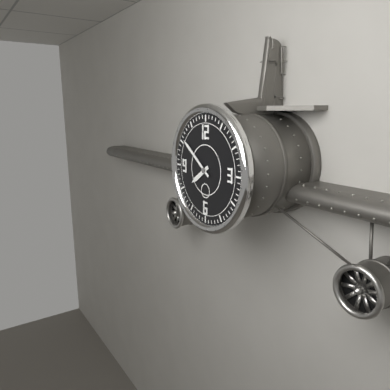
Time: **7:51**
